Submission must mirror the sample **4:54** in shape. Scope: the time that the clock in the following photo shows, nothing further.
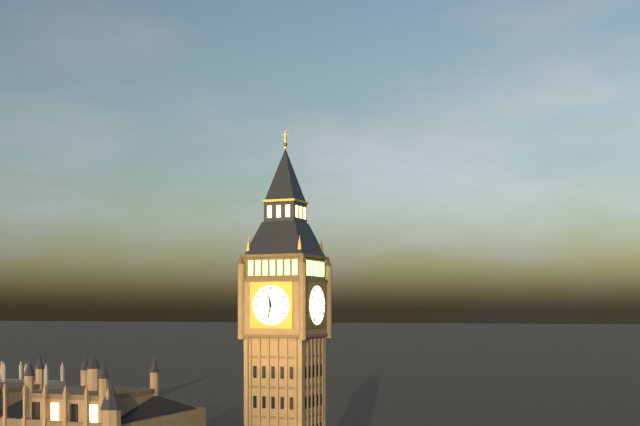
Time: **11:32**
